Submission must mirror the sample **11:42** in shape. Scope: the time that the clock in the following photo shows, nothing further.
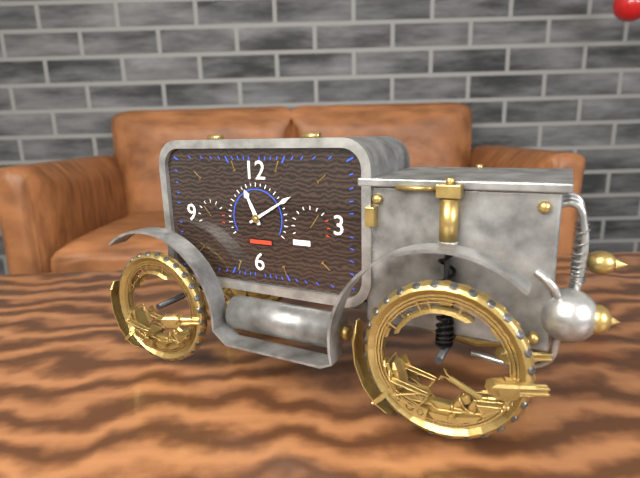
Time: **11:10**
